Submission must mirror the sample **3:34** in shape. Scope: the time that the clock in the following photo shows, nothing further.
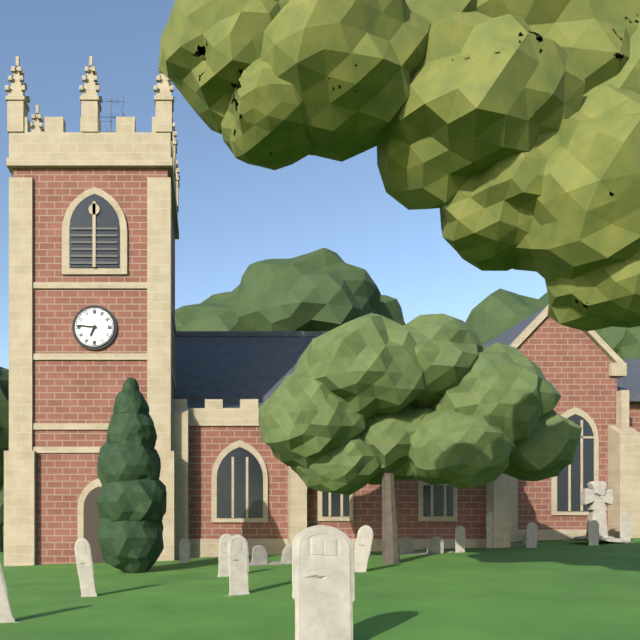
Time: **6:46**
